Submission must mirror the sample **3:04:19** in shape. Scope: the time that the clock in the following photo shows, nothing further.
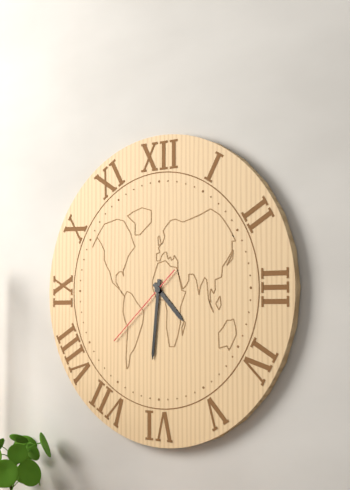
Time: **4:31:38**
